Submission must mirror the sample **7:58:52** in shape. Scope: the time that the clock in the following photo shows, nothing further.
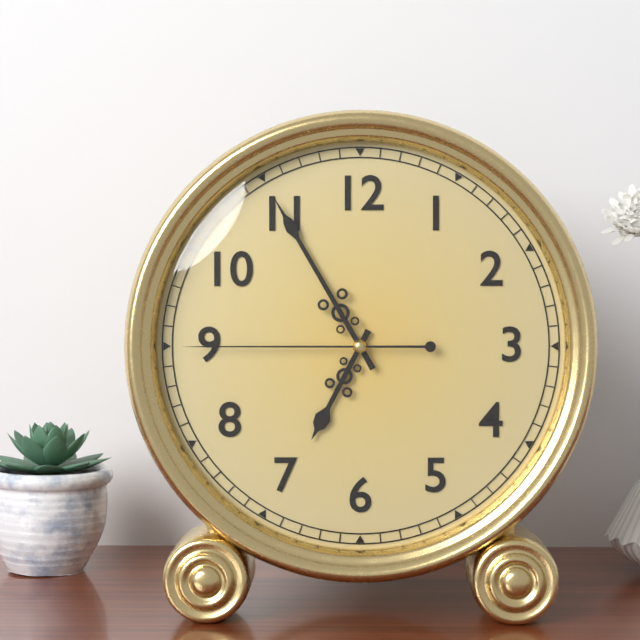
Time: **6:55:45**
